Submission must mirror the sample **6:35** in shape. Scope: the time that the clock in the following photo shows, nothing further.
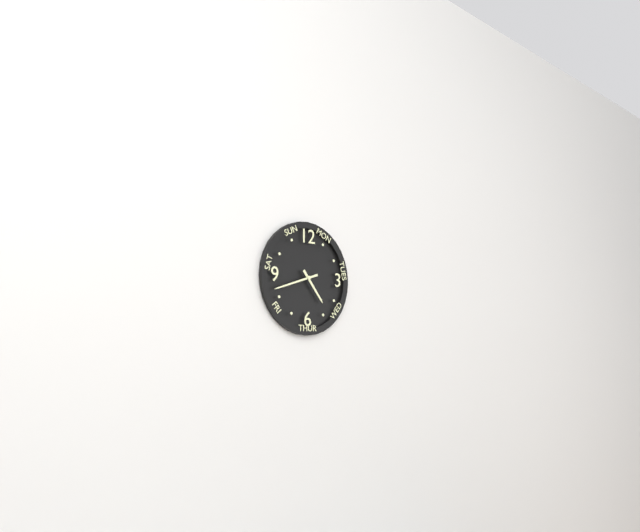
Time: **4:42**
